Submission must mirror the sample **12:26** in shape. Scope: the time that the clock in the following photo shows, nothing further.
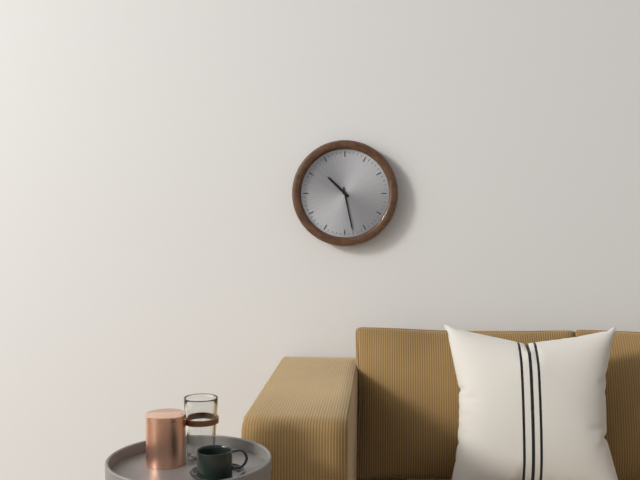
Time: **10:28**
